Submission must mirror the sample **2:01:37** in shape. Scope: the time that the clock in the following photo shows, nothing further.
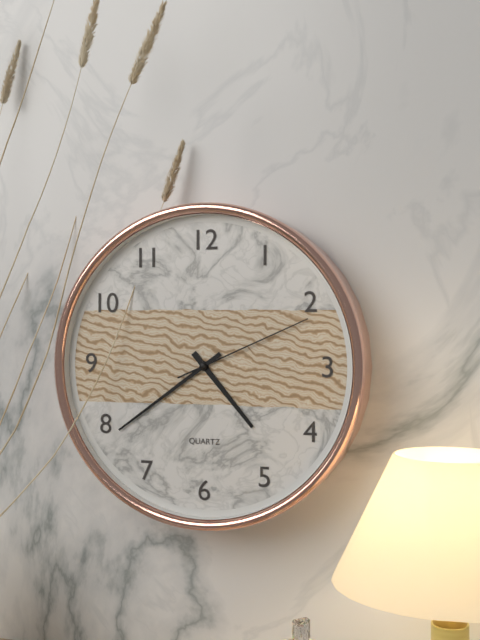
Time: **4:39:11**
